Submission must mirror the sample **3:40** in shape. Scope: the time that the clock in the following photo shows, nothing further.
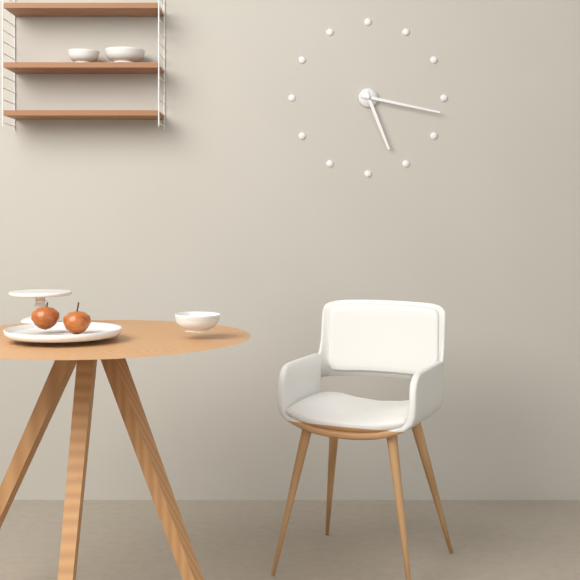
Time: **5:17**
